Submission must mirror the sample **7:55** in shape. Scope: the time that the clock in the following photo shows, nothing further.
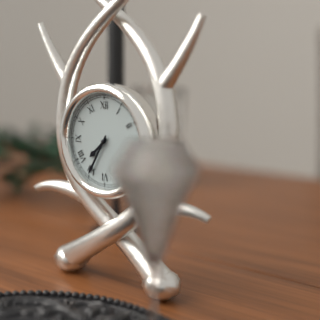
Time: **7:35**
